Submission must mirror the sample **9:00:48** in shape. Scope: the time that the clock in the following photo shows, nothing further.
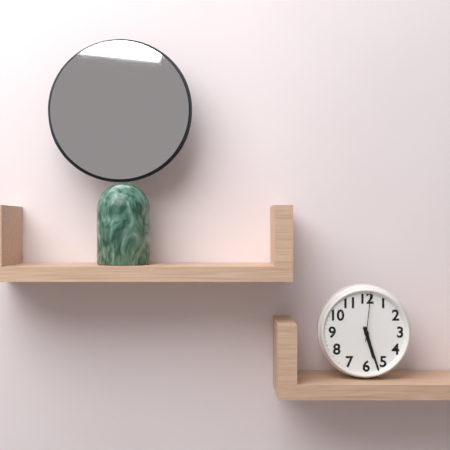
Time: **5:27:01**
